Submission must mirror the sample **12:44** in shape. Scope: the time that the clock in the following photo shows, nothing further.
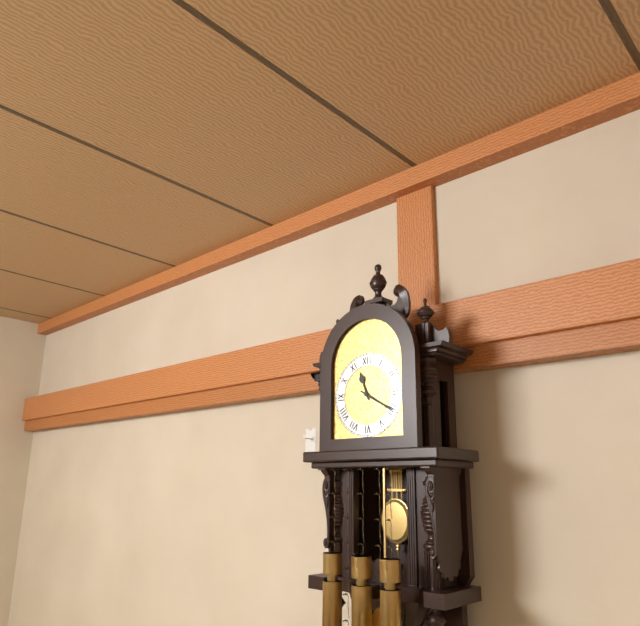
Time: **11:20**
